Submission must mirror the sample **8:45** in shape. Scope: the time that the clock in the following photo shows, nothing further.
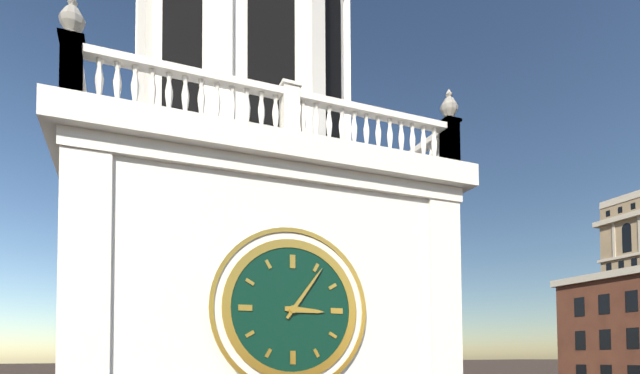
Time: **3:06**
